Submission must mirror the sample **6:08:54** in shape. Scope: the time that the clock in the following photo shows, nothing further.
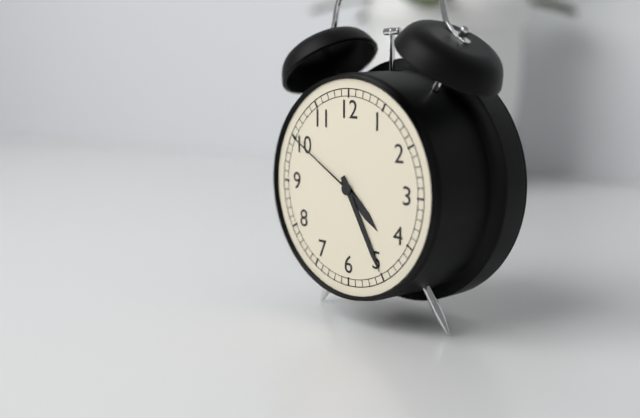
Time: **4:25:50**
